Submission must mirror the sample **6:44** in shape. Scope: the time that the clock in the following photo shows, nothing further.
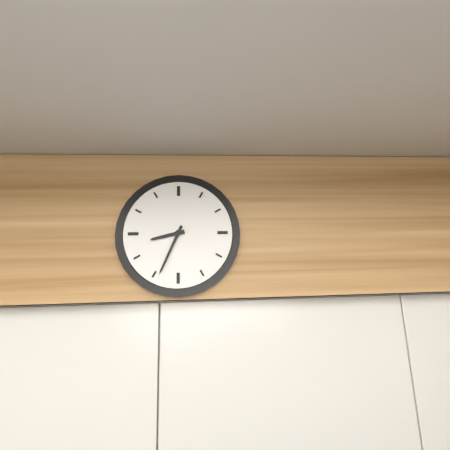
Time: **8:34**
